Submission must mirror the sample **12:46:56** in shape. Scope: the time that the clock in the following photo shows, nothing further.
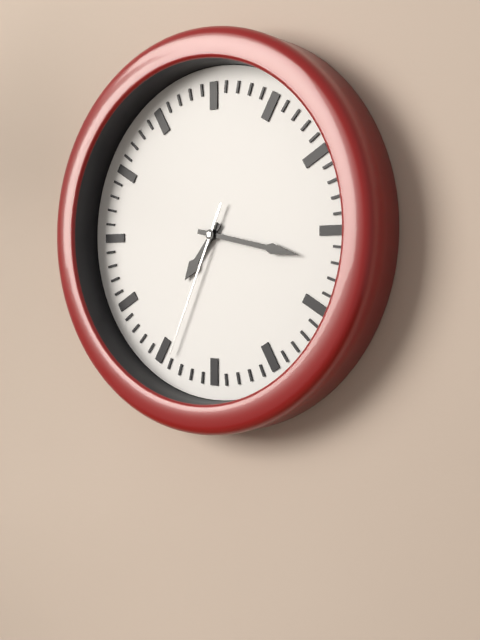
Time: **7:17:34**
